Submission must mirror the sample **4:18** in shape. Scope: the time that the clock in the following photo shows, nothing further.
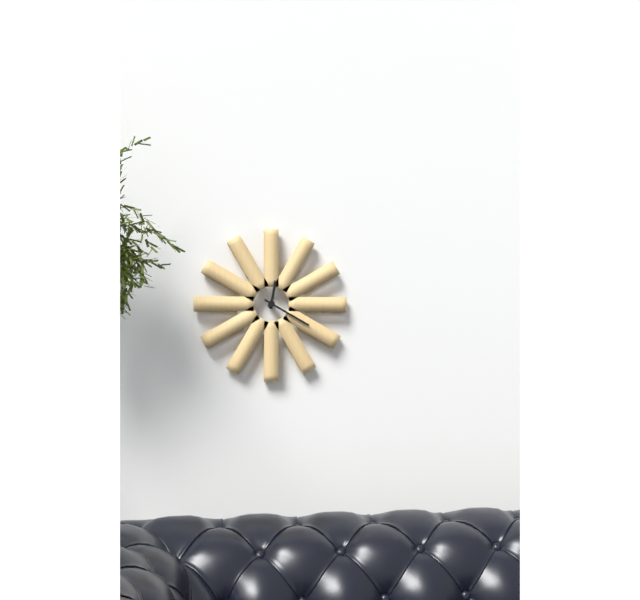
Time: **12:20**
